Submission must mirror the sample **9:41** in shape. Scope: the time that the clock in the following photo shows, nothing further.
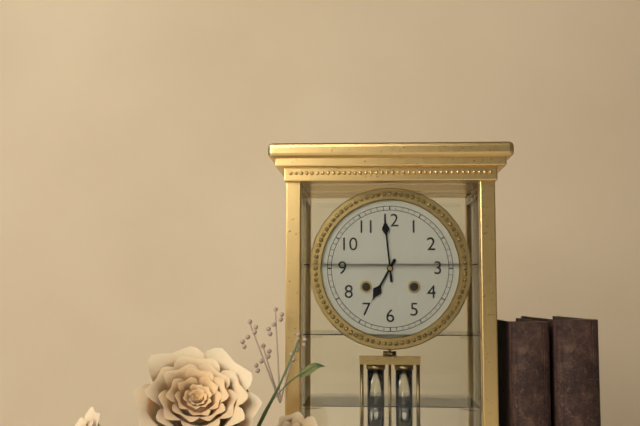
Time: **6:59**
